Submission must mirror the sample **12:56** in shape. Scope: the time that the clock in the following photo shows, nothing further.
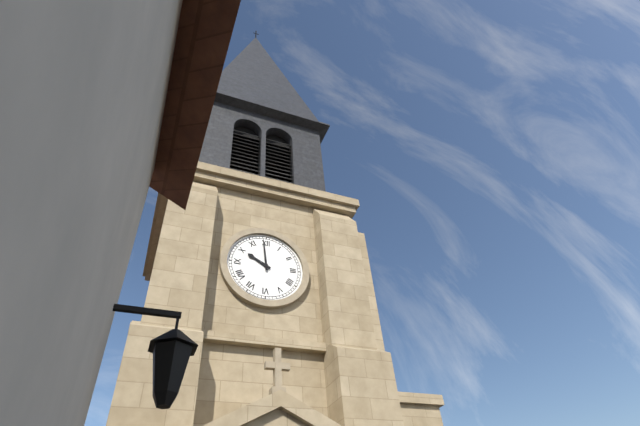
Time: **9:59**
